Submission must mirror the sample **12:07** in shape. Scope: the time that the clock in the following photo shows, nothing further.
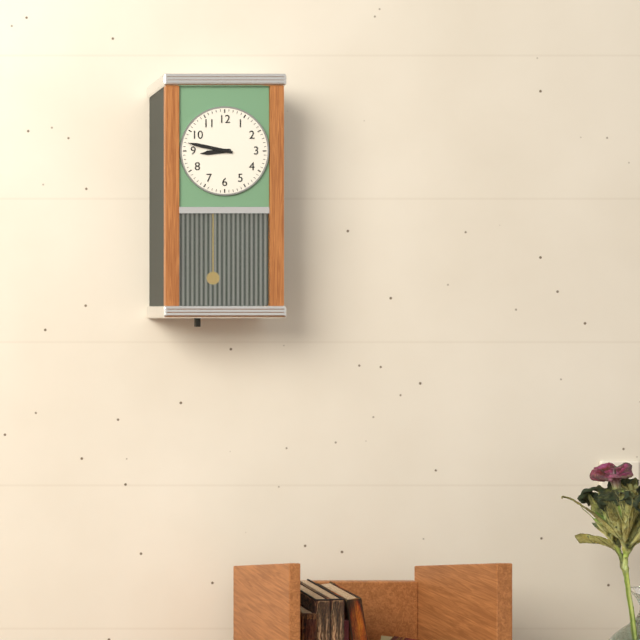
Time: **8:47**
